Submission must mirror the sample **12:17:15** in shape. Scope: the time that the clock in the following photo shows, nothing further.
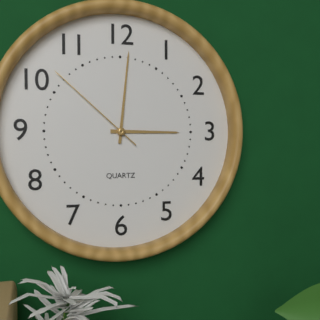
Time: **3:01:52**
